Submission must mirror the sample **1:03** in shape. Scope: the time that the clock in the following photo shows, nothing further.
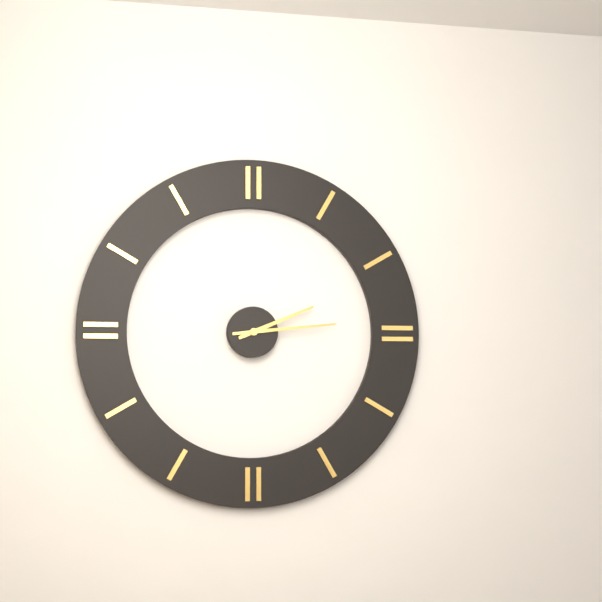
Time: **2:14**
